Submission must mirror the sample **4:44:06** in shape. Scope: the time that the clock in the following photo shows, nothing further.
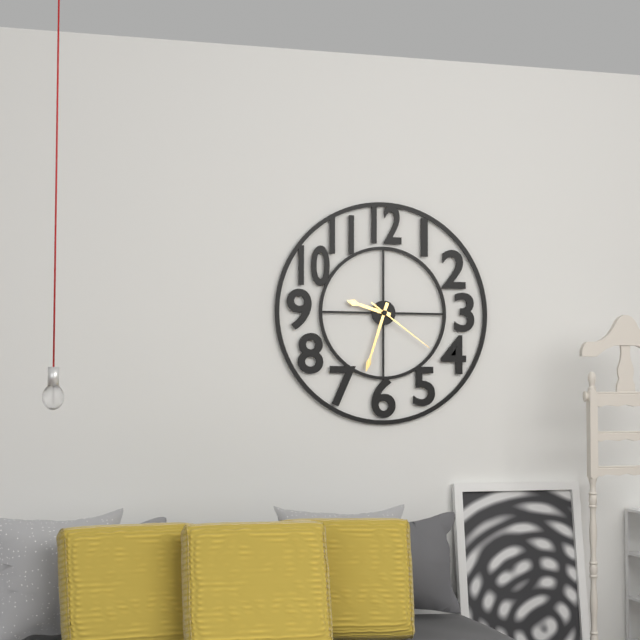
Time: **9:33:21**
